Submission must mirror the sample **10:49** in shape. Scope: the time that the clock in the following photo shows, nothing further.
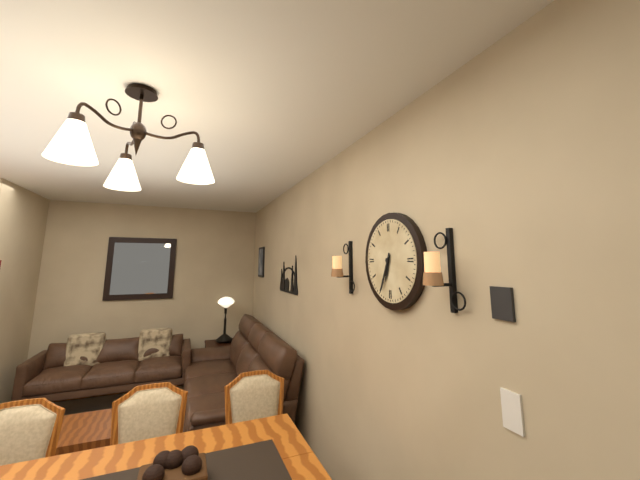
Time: **6:34**
